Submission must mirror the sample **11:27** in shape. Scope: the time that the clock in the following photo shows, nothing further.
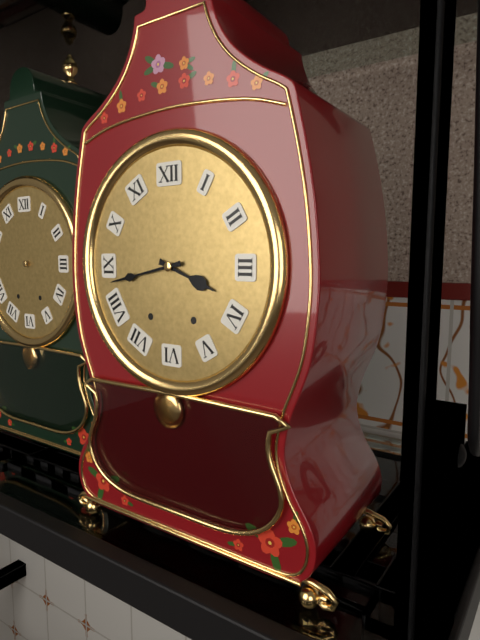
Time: **3:43**
